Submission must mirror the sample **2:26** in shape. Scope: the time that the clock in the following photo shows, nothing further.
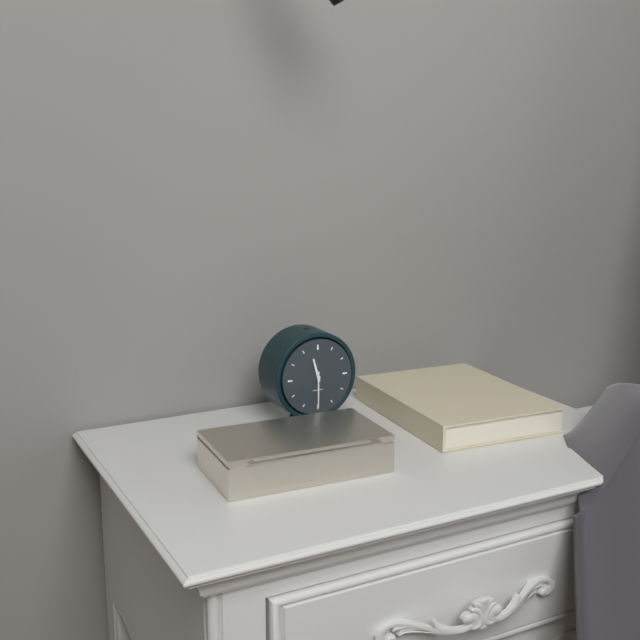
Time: **11:30**
